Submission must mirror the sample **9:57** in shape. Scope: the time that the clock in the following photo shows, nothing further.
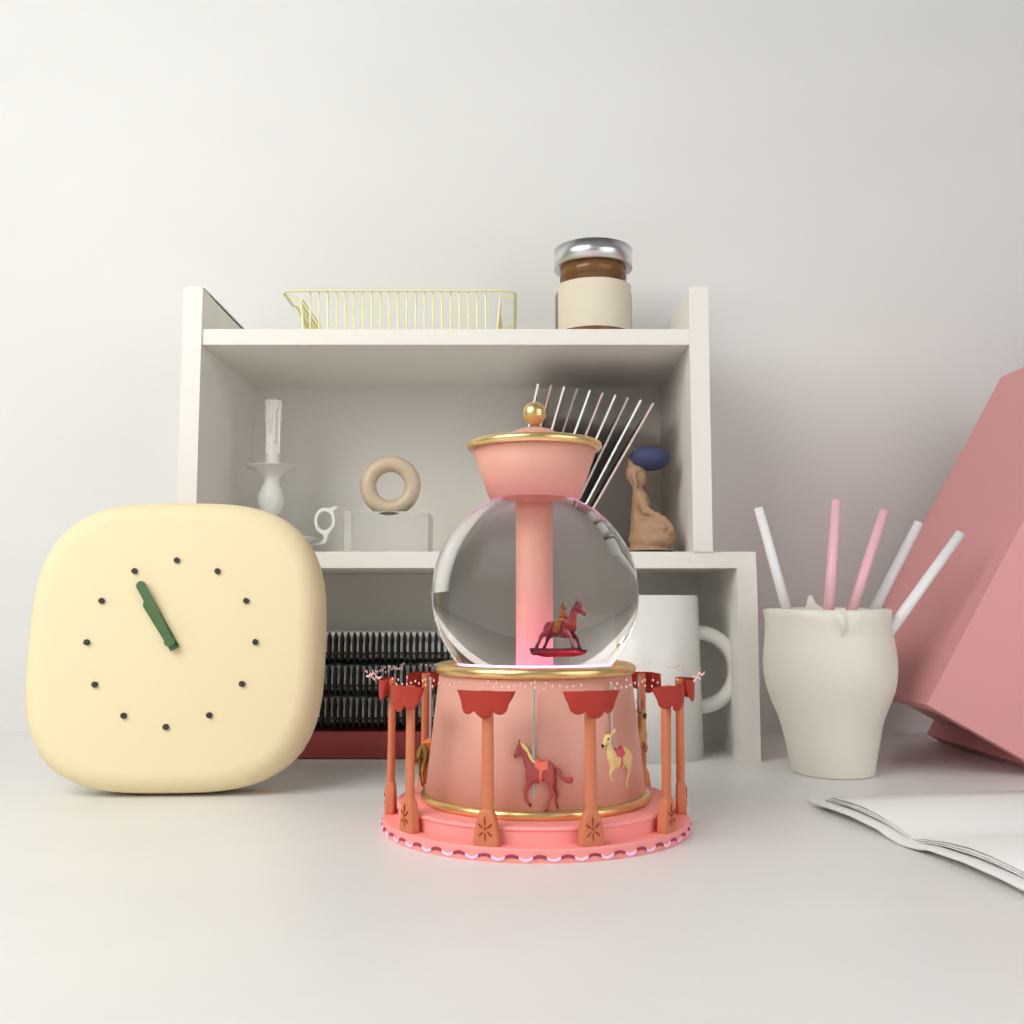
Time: **10:55**
